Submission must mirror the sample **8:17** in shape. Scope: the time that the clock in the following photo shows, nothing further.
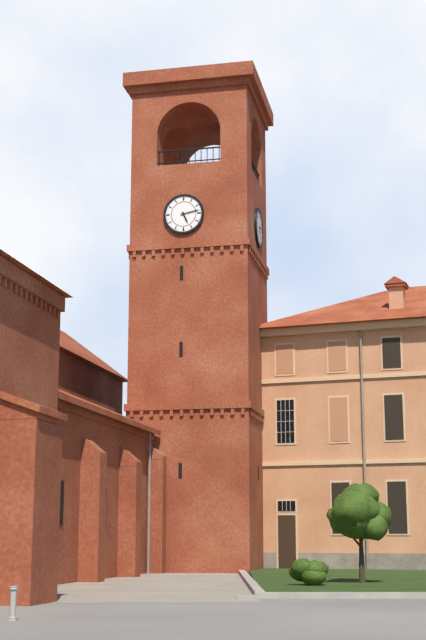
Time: **5:13**
